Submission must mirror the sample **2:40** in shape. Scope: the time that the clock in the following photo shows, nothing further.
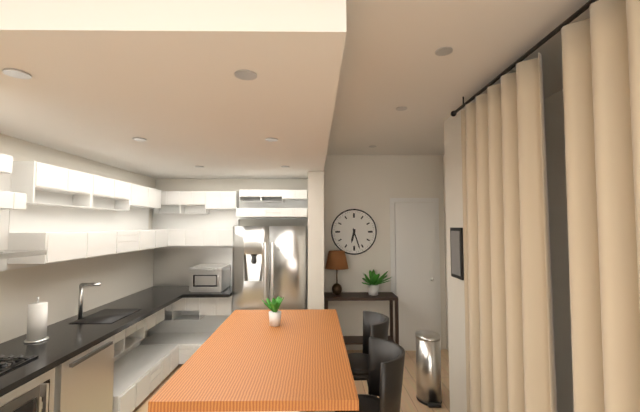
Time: **6:27**
